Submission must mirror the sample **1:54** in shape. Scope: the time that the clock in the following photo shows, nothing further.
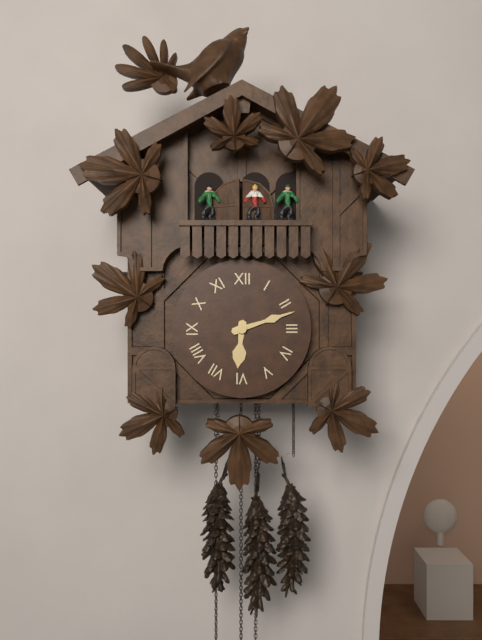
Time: **6:12**
